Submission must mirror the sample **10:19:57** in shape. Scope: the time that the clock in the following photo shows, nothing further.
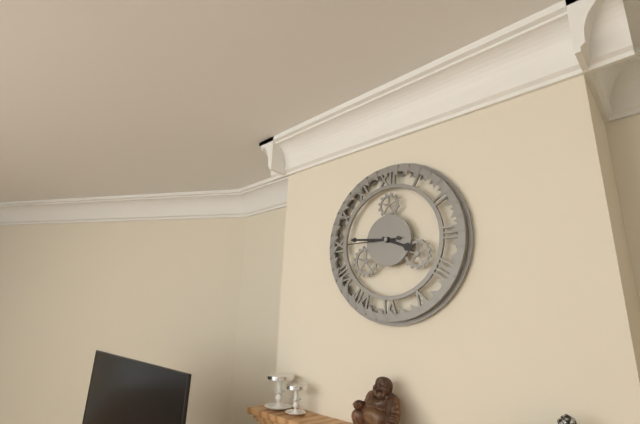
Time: **3:46:45**
